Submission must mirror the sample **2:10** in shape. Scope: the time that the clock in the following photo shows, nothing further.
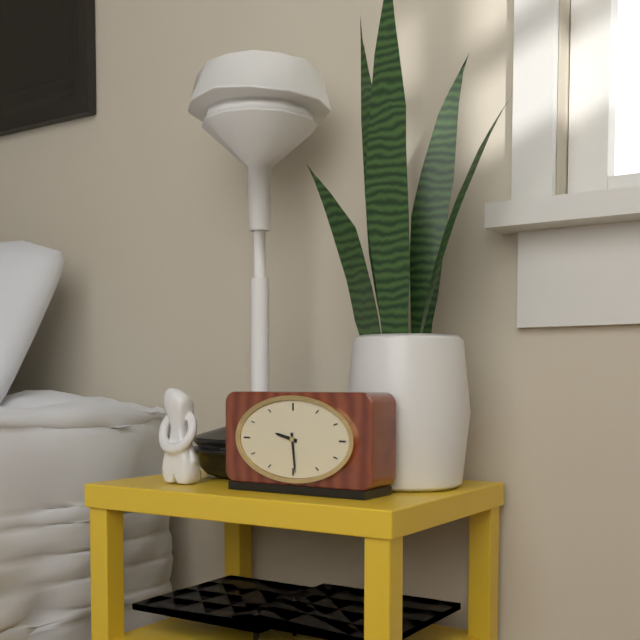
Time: **9:29**
